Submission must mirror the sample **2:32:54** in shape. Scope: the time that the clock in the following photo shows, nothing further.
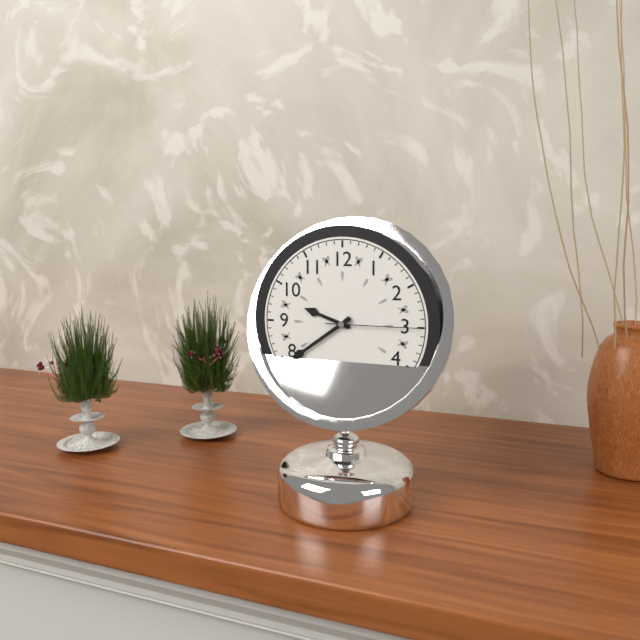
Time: **9:39:15**
